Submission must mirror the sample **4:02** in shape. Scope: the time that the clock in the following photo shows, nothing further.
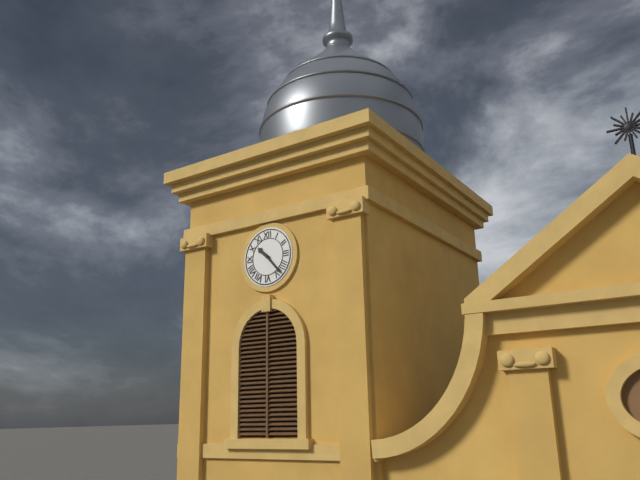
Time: **10:23**
